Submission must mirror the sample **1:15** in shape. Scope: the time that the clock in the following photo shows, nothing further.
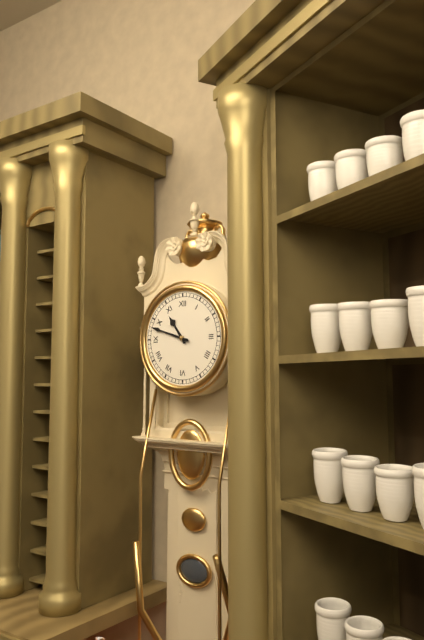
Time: **10:48**
